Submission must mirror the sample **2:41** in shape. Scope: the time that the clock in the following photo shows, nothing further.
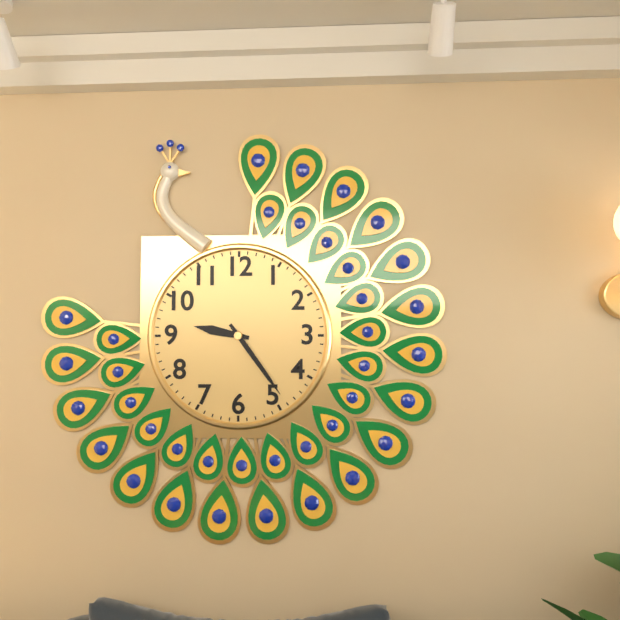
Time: **9:24**
